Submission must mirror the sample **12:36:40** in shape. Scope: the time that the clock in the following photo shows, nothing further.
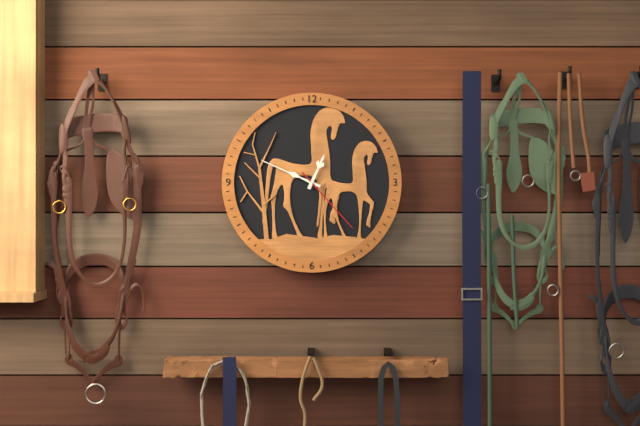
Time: **12:49:23**
